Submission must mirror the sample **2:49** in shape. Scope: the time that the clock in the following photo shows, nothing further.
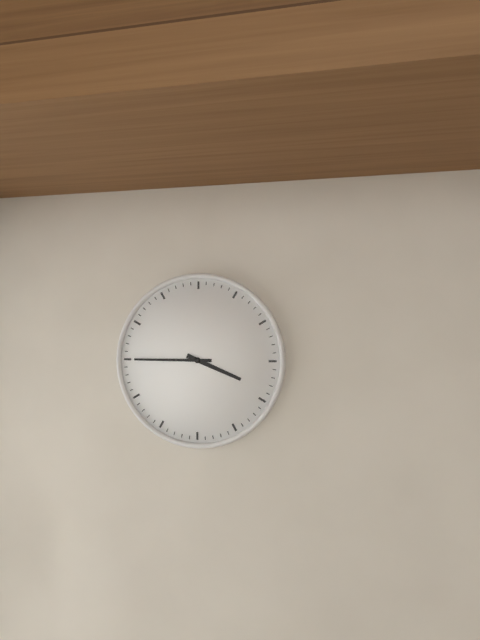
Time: **3:45**
